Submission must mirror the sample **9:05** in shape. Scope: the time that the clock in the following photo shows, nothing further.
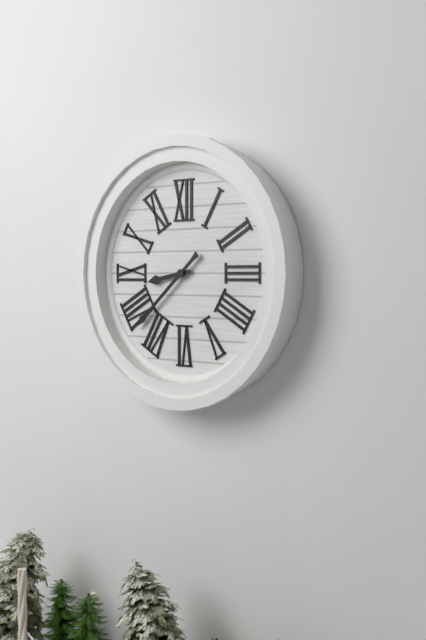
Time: **8:38**
